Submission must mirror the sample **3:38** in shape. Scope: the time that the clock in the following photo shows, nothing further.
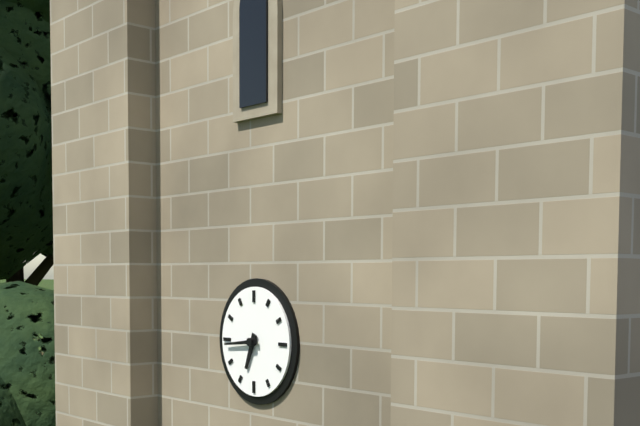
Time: **6:44**
